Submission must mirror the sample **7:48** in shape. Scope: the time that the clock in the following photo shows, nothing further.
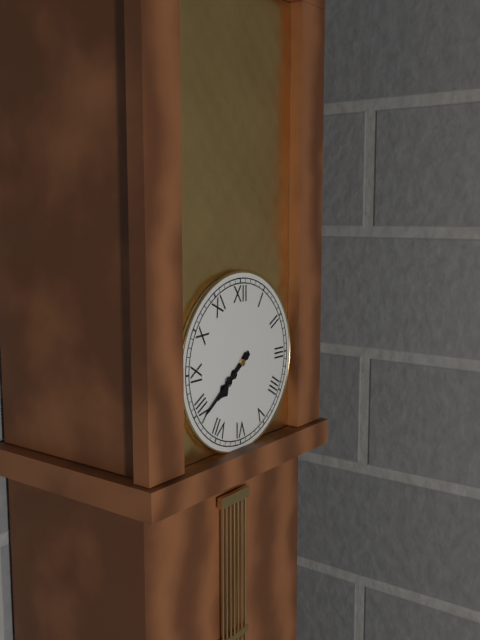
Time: **7:39**
